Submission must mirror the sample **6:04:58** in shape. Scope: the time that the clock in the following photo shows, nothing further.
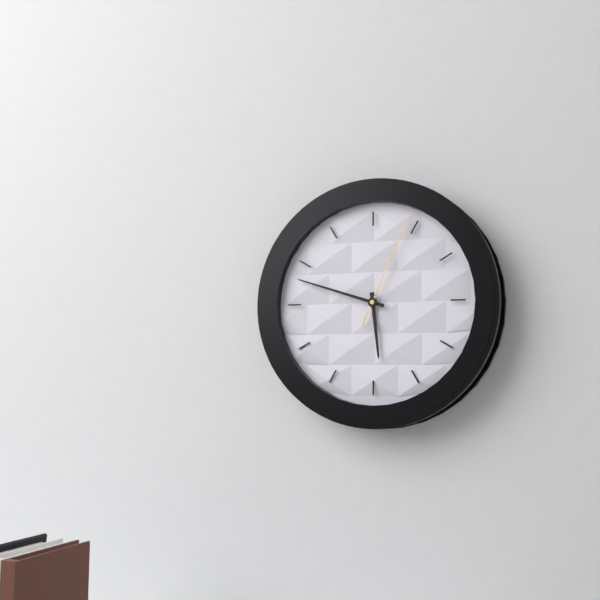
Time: **5:48:04**
